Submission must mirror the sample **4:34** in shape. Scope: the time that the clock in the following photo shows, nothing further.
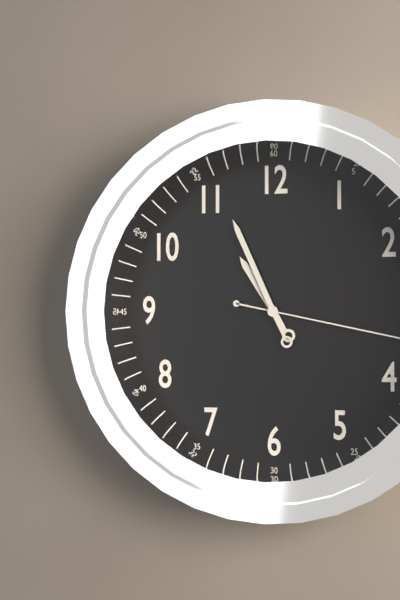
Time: **10:56**
